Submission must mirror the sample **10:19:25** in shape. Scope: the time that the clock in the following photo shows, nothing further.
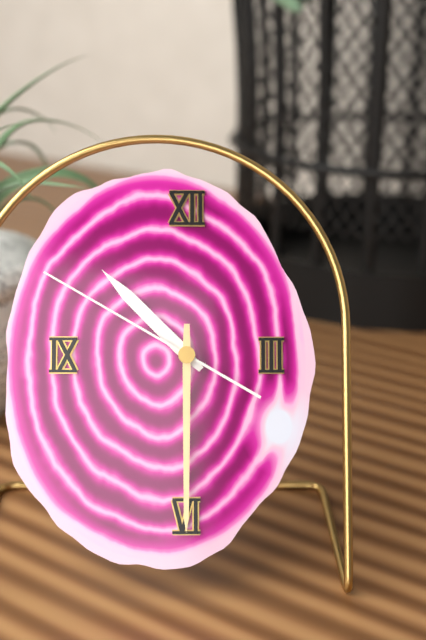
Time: **10:30:50**
